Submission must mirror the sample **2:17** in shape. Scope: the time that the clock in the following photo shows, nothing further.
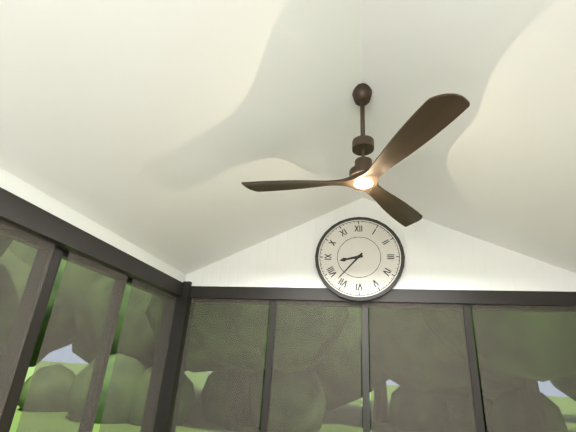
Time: **8:37**
